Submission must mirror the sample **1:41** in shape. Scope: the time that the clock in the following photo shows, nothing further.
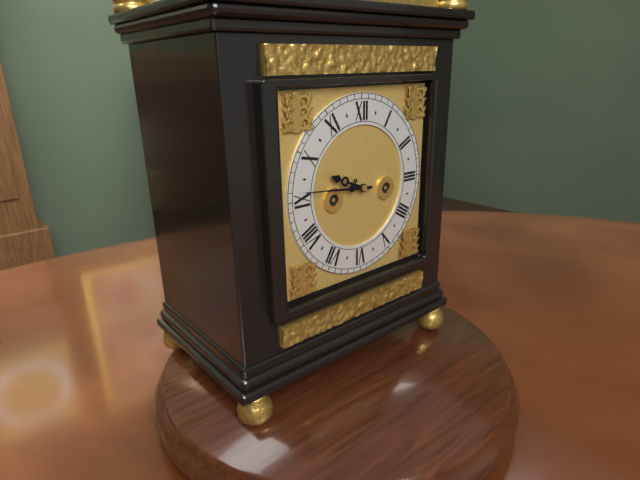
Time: **9:46**
